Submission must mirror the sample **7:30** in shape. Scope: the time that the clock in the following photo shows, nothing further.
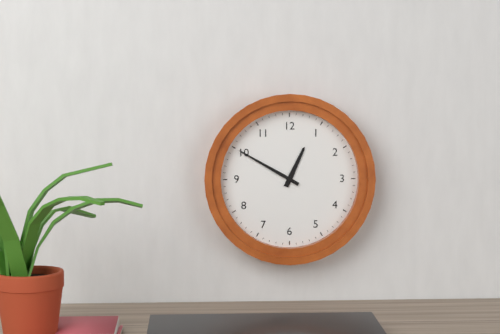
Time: **12:50**
